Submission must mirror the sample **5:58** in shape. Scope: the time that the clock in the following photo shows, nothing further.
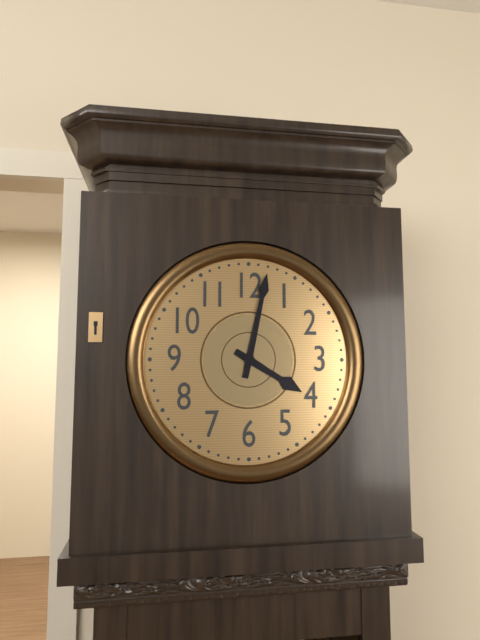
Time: **4:02**
